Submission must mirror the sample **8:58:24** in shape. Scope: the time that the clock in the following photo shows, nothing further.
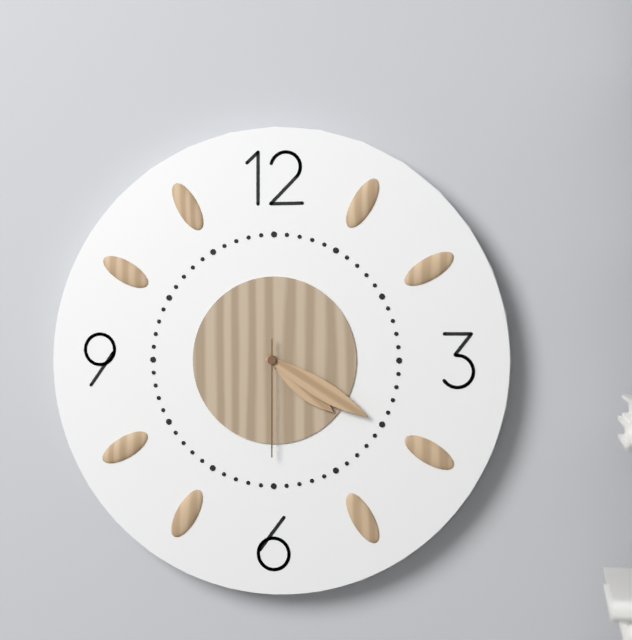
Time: **4:20:30**
